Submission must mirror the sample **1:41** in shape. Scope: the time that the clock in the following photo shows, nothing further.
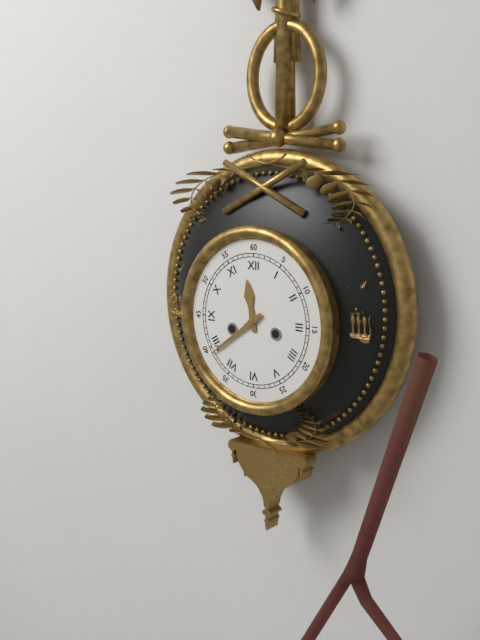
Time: **11:39**
